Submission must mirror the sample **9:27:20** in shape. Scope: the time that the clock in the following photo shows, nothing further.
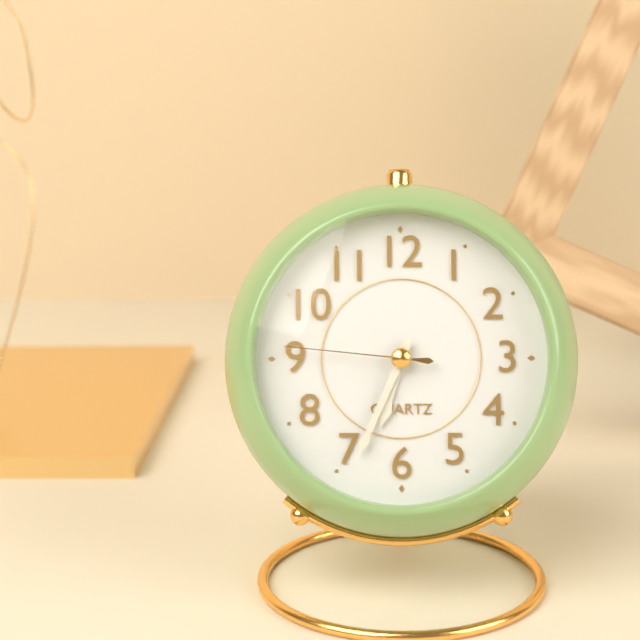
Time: **6:34:46**
